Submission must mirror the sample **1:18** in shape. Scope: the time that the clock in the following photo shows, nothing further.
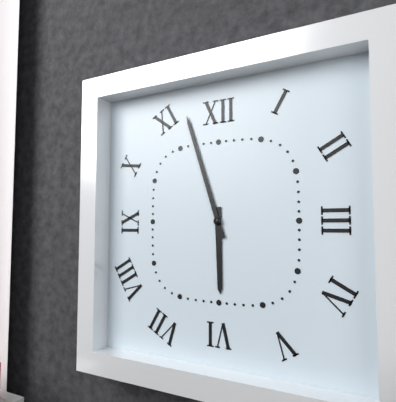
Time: **5:57**
